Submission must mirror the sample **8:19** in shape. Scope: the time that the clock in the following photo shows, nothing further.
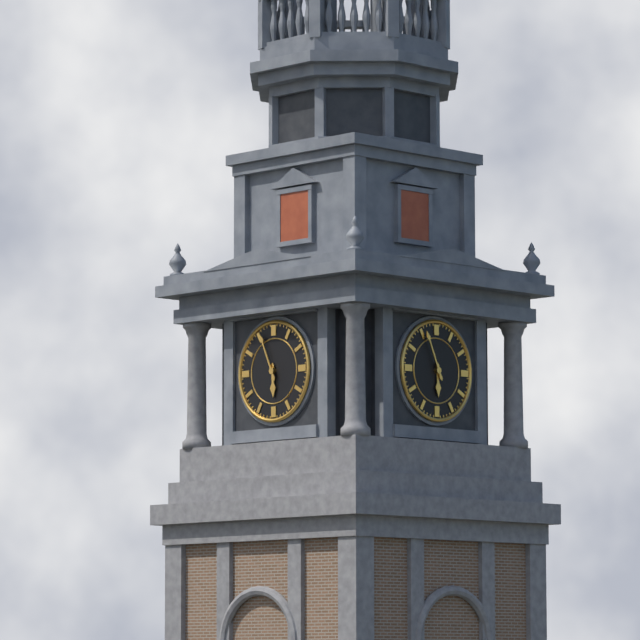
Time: **5:56**
